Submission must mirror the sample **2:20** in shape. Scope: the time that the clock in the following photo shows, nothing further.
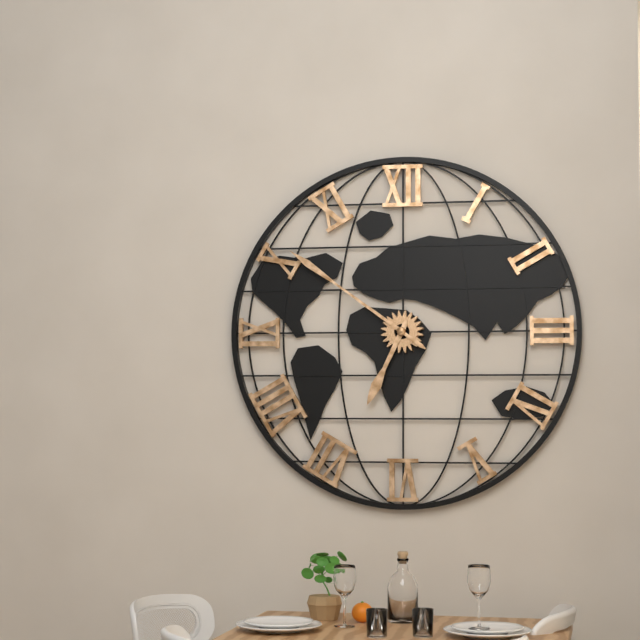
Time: **6:51**
